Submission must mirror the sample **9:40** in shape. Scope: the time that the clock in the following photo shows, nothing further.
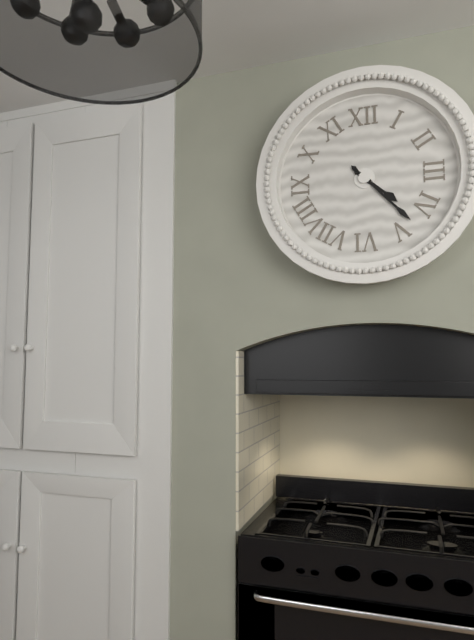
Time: **4:23**
